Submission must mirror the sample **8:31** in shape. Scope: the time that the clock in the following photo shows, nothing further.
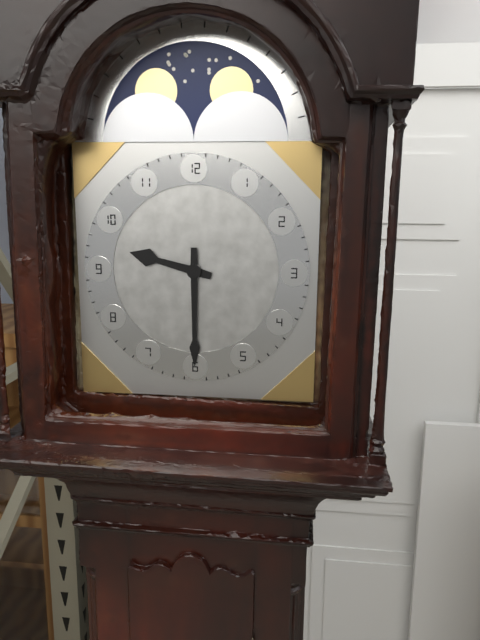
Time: **9:30**
